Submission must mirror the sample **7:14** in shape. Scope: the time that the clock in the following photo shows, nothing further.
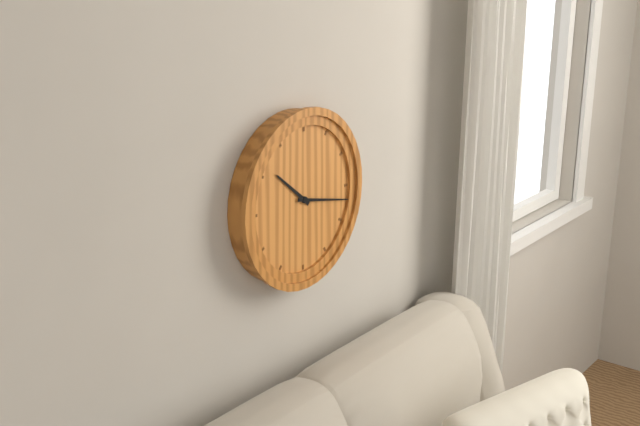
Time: **10:17**
